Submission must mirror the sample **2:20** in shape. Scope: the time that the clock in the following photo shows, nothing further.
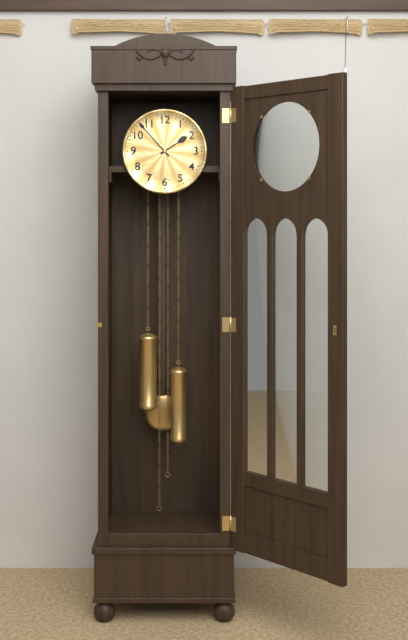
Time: **1:53**
